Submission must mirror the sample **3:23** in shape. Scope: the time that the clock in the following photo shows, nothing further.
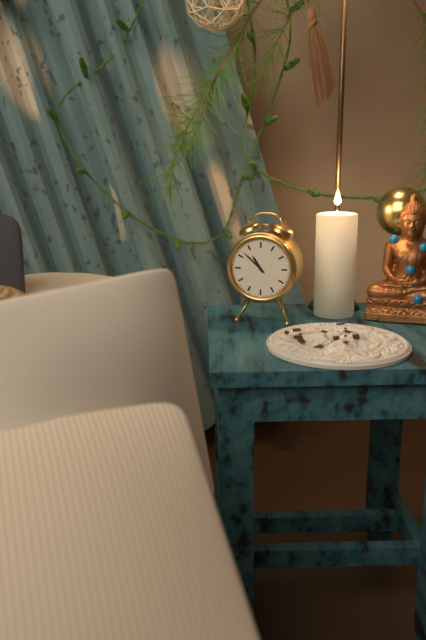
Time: **10:52**
